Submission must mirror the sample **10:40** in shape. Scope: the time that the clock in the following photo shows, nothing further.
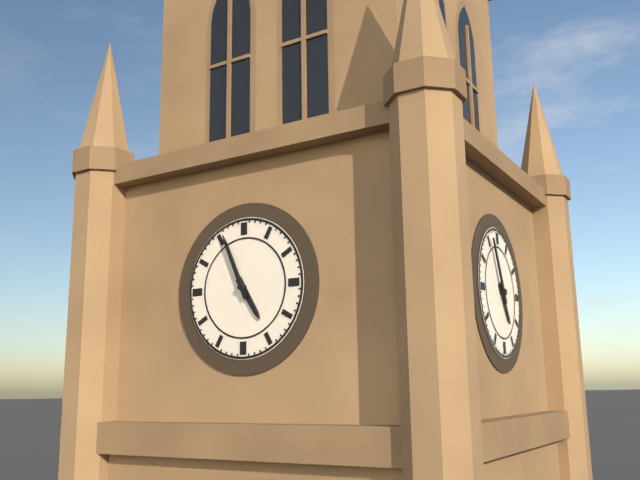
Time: **4:56**
